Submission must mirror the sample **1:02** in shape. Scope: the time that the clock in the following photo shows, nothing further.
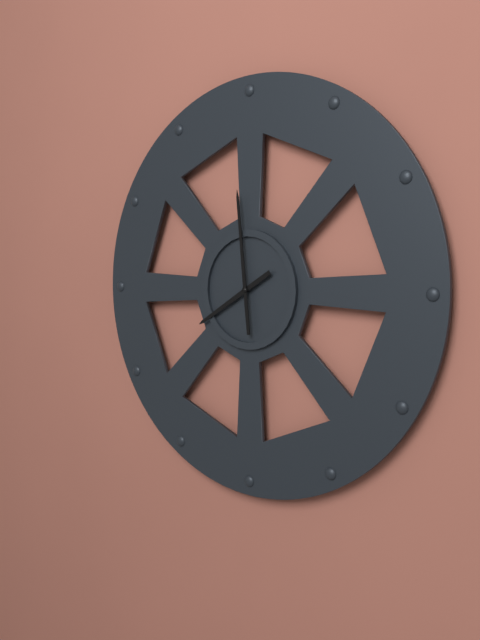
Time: **7:59**
